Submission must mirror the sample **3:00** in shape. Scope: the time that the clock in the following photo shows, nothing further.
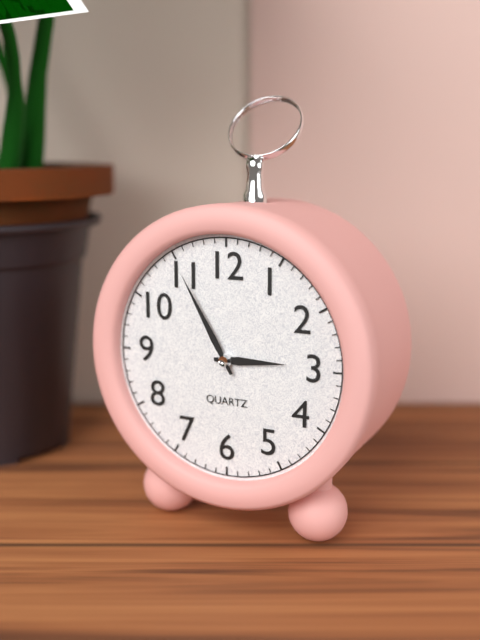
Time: **2:55**
